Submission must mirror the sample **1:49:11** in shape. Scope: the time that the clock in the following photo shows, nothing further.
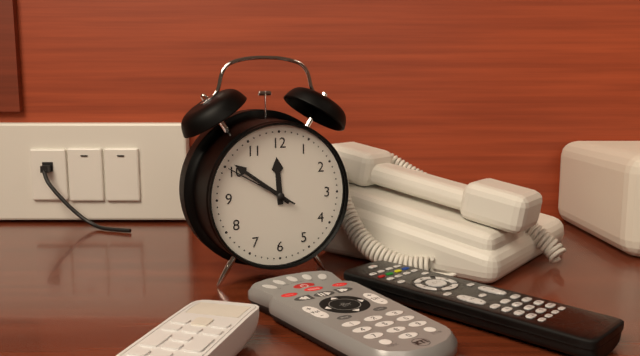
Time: **11:51:50**
